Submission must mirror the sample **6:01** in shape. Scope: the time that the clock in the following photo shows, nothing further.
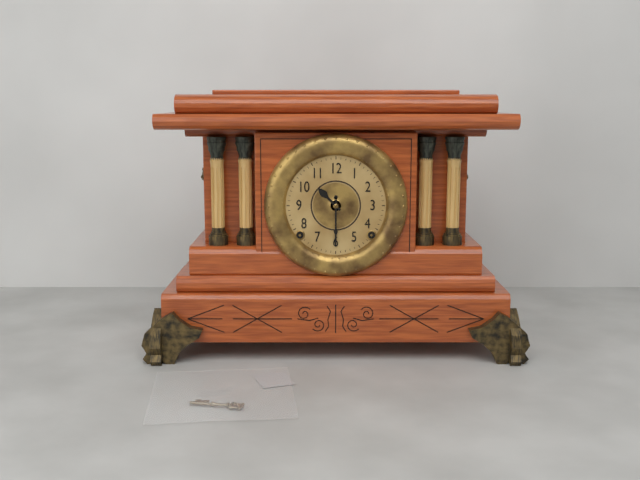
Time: **10:30**
